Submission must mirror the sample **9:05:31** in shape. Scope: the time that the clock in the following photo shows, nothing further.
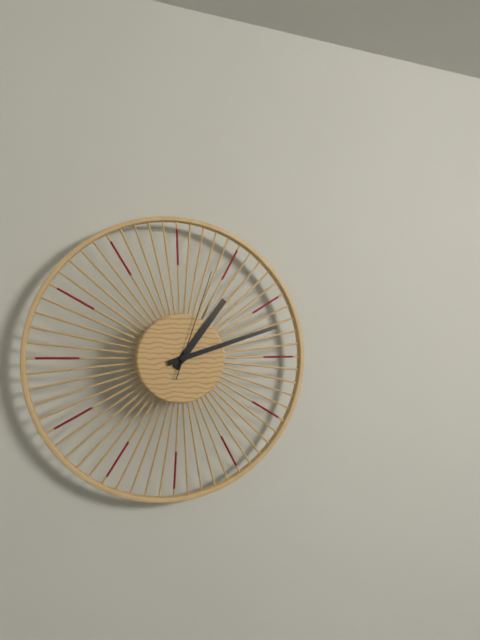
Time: **1:12:03**
